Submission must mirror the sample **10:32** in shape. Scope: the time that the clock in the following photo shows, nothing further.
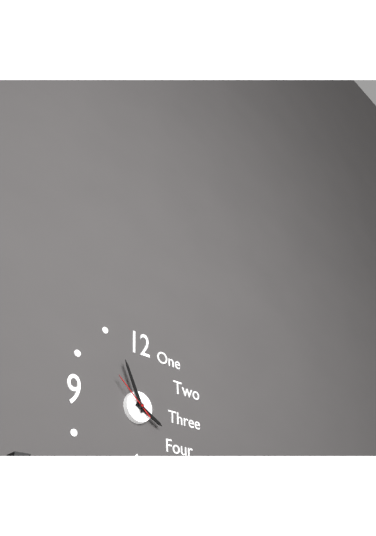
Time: **3:56**
